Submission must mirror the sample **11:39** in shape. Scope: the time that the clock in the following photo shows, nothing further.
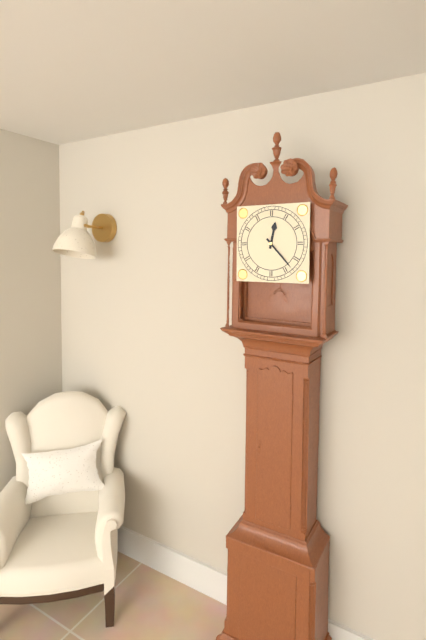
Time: **12:23**
